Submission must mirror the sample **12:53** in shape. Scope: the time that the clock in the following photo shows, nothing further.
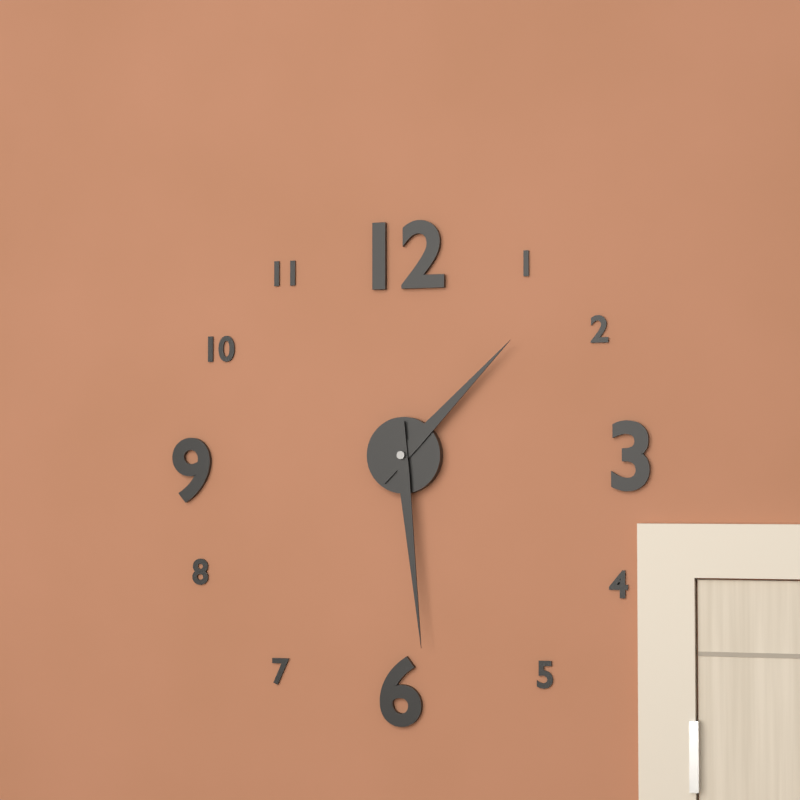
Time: **1:29**
